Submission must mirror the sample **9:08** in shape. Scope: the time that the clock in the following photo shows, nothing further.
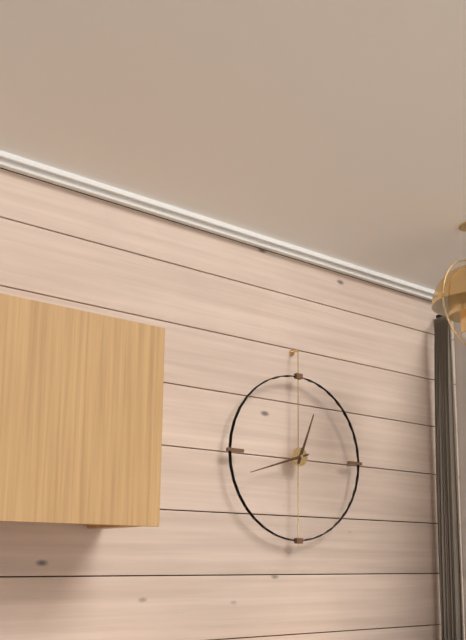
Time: **12:42**
